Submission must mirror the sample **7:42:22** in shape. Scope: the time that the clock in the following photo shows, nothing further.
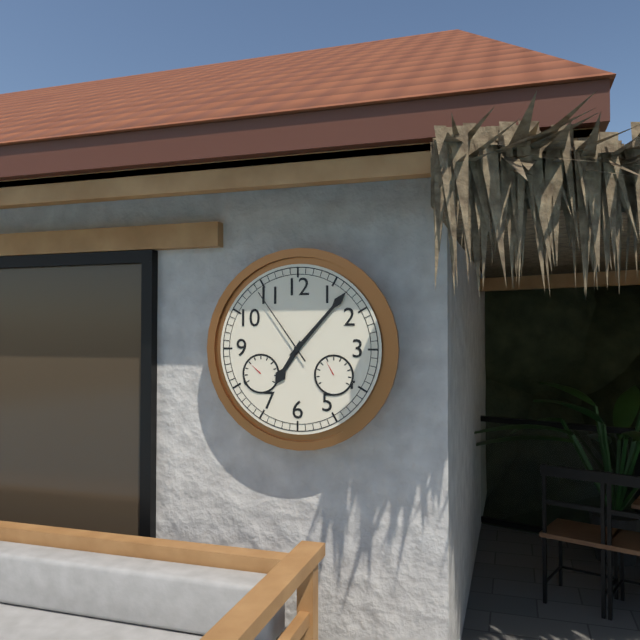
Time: **7:07:54**
